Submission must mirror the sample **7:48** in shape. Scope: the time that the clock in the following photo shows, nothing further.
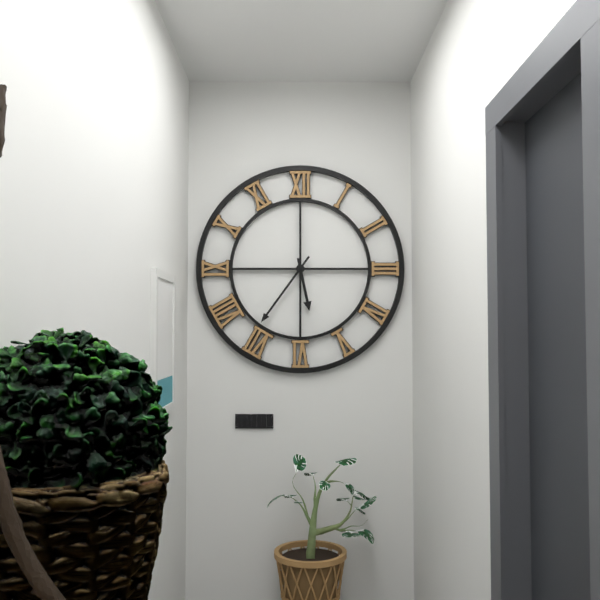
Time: **5:36**
